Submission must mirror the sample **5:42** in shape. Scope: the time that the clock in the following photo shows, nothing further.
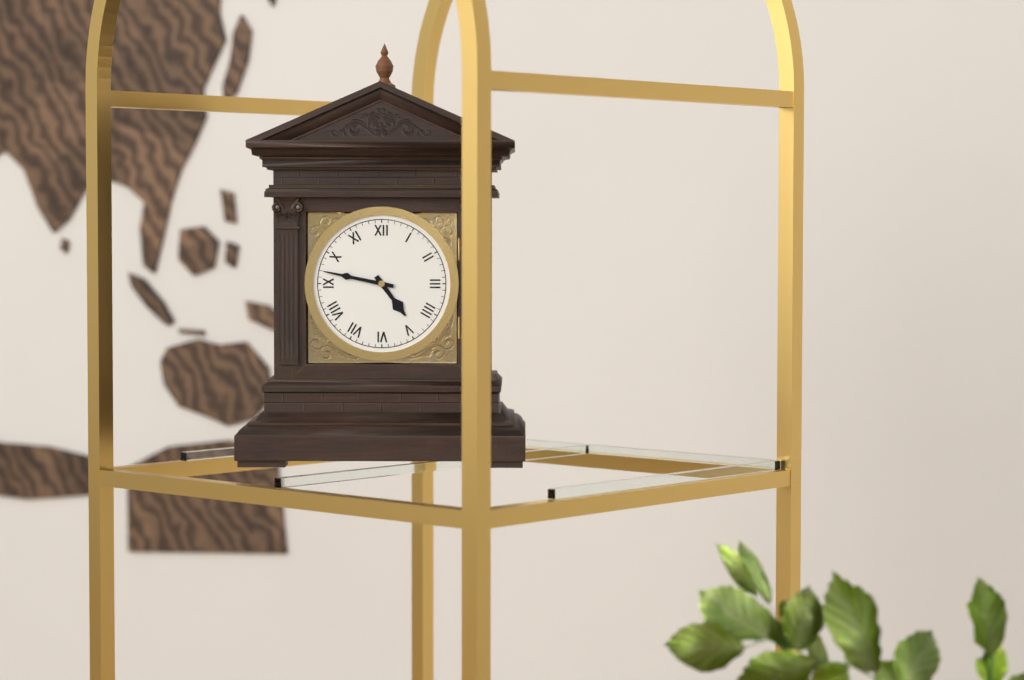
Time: **4:47**
